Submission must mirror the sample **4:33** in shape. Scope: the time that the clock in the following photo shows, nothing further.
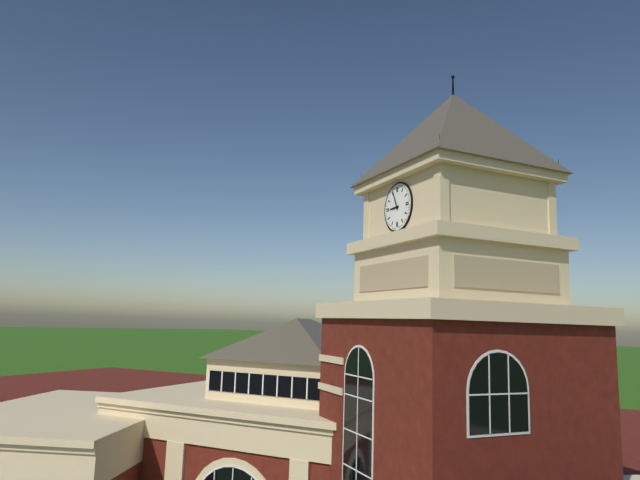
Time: **8:56**
